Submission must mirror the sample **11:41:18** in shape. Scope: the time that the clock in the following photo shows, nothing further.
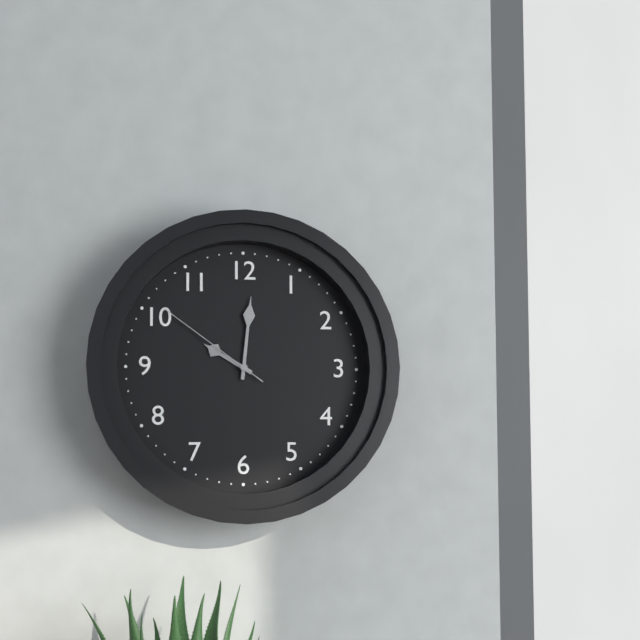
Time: **10:01:51**
